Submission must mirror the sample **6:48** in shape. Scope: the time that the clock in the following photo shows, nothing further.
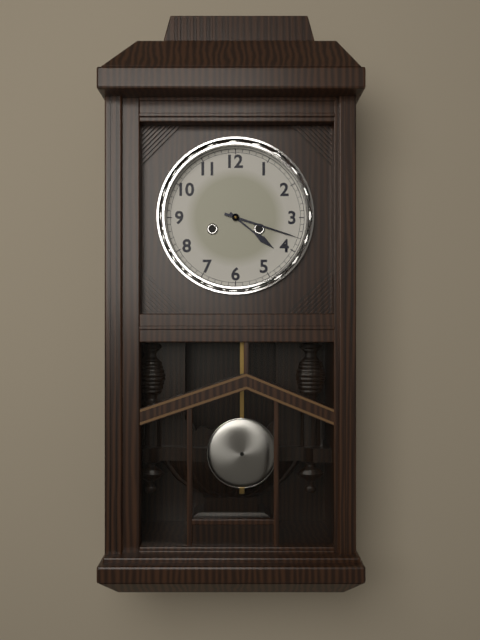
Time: **4:18**
